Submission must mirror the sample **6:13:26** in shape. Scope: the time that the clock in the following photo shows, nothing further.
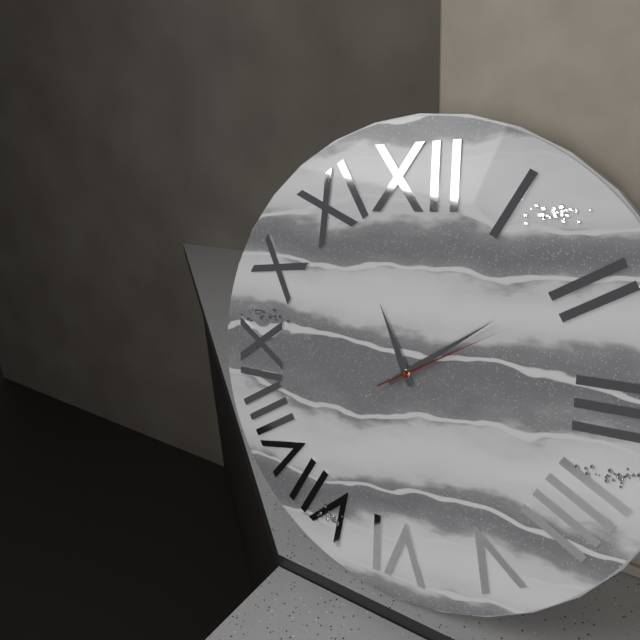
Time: **11:09:10**
